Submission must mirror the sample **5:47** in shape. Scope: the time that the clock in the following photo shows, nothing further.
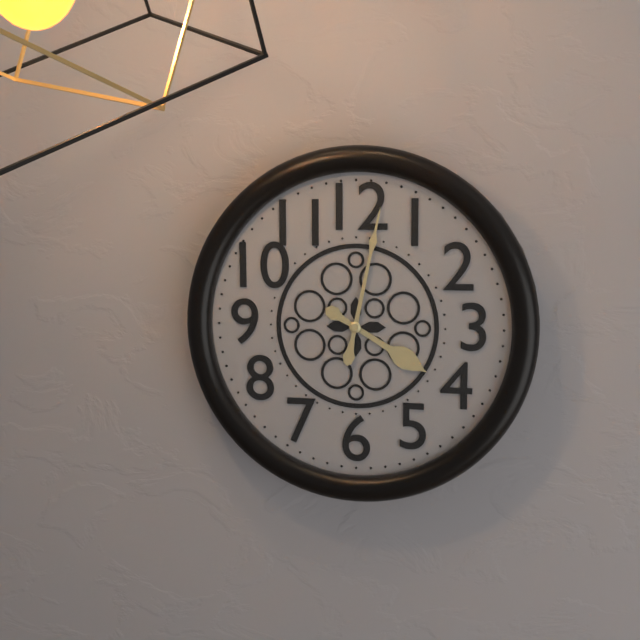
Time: **4:02**
